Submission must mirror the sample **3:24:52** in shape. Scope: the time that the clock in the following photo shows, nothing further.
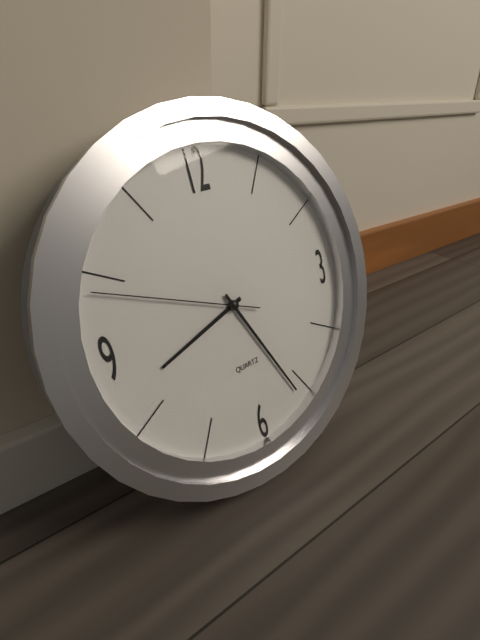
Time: **8:26:49**
